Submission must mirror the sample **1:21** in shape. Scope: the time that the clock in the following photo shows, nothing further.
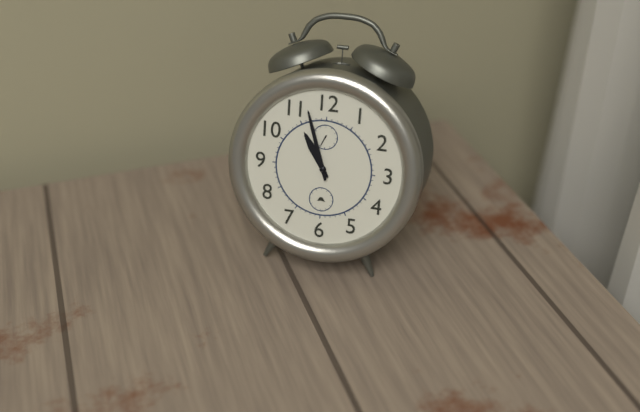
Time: **10:57**
